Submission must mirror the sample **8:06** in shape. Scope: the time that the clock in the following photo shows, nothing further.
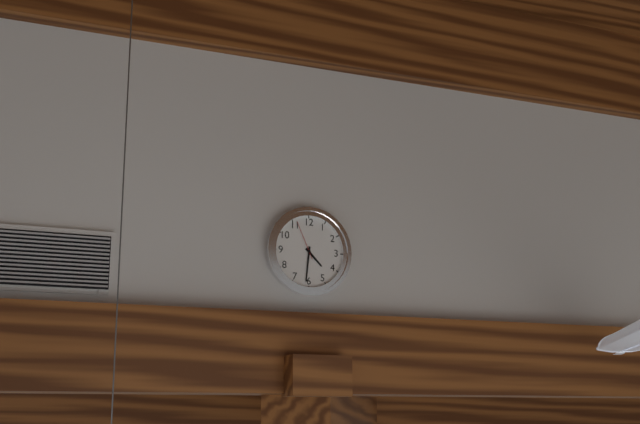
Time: **4:31**
